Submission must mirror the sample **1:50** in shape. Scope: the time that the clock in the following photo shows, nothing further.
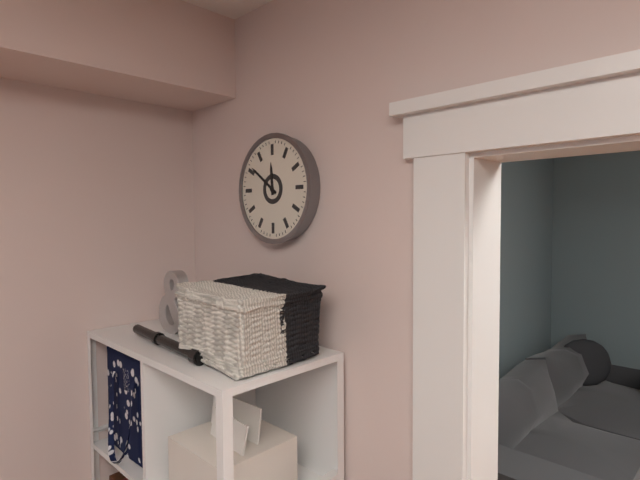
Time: **11:51**
